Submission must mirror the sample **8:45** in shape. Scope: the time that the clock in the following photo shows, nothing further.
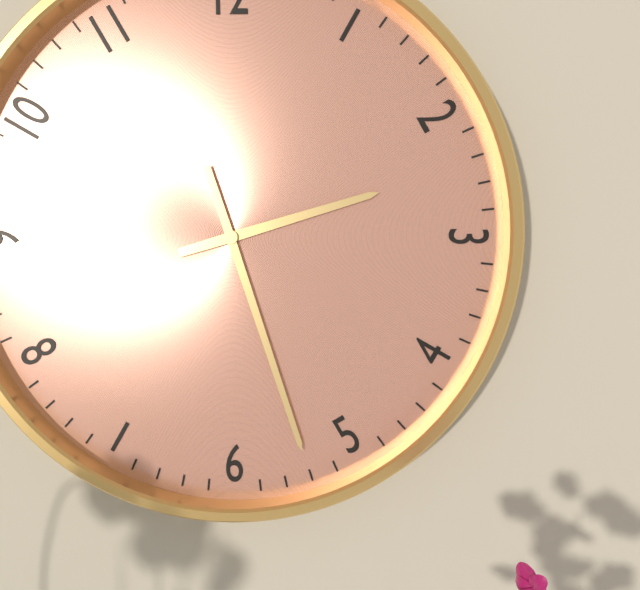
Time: **2:27**
